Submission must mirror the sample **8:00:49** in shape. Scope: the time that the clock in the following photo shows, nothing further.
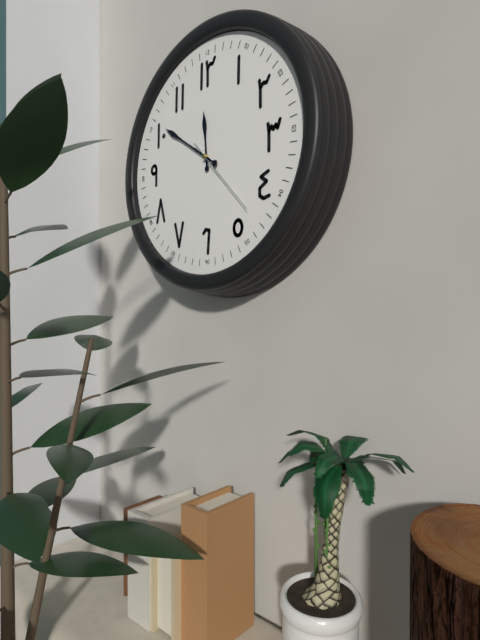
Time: **11:51:23**
